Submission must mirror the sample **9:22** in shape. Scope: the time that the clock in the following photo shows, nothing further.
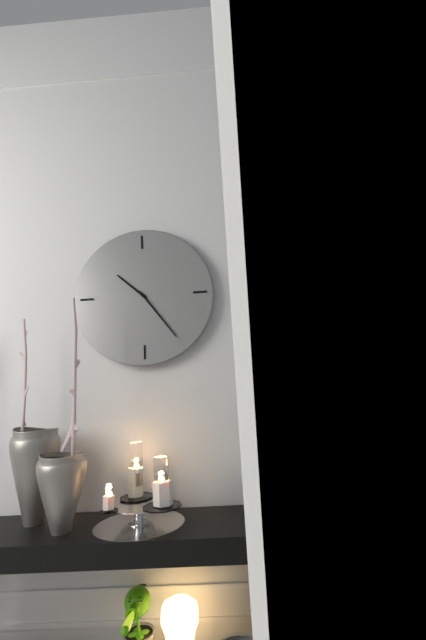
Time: **10:24**
